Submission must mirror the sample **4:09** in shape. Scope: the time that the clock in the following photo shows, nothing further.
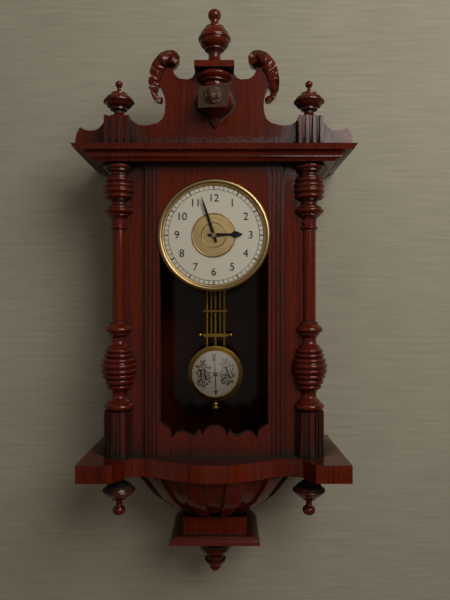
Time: **2:57**
